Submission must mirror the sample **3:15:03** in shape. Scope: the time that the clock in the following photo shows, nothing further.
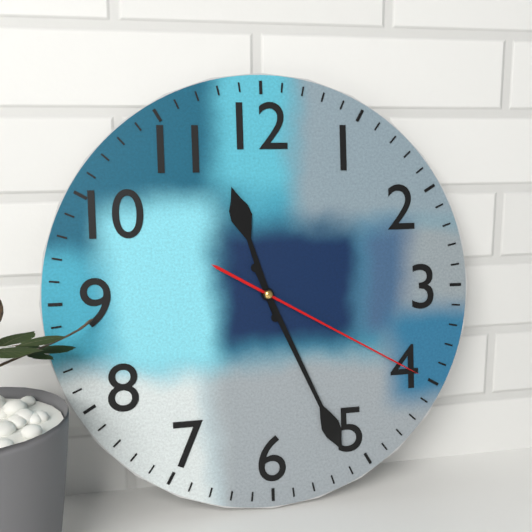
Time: **11:26:20**
